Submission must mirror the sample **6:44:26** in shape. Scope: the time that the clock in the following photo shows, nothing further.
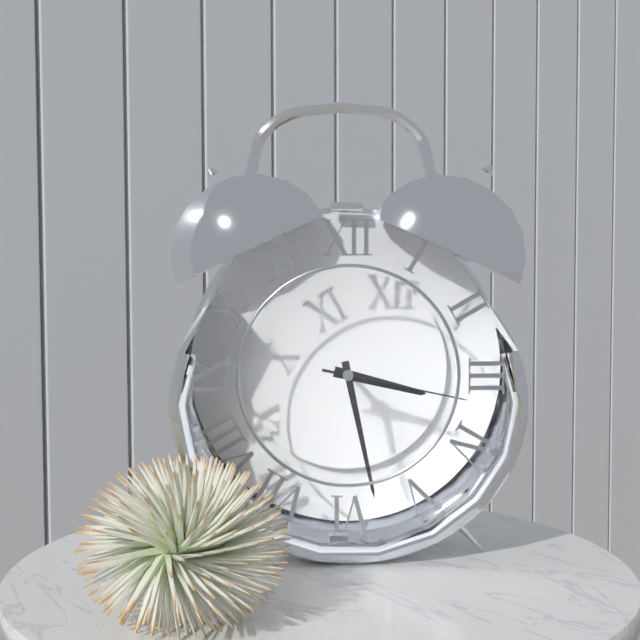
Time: **3:28:17**
